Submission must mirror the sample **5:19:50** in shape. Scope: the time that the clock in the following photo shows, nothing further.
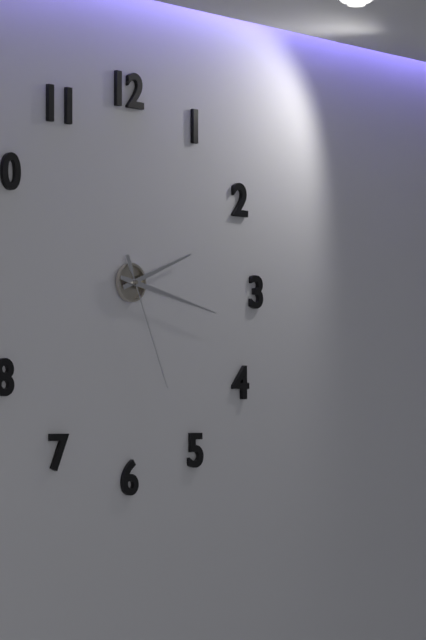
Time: **2:17:26**
